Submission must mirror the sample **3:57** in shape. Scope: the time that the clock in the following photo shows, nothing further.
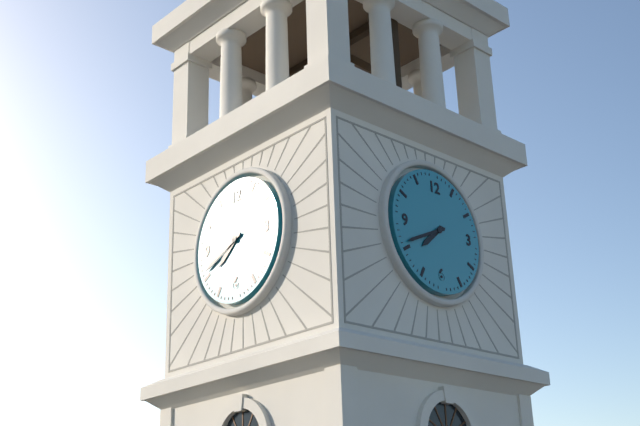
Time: **7:41**
